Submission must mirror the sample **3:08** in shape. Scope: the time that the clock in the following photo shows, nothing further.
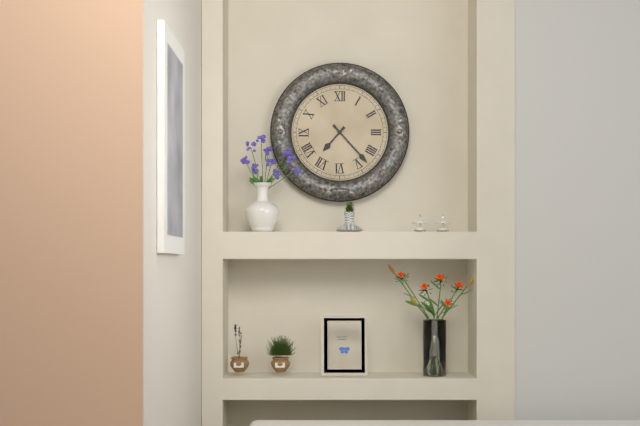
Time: **7:23**
